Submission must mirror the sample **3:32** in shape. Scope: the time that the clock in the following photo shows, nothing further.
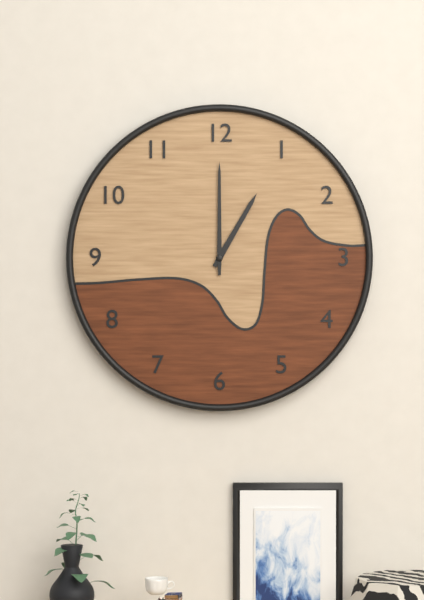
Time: **1:00**
